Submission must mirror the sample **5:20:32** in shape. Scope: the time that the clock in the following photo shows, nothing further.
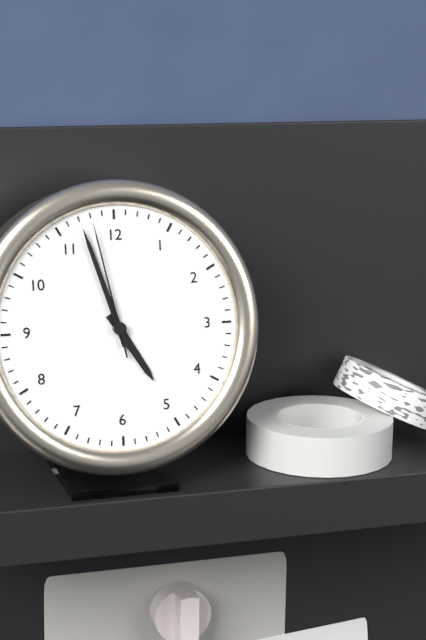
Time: **4:57:58**
